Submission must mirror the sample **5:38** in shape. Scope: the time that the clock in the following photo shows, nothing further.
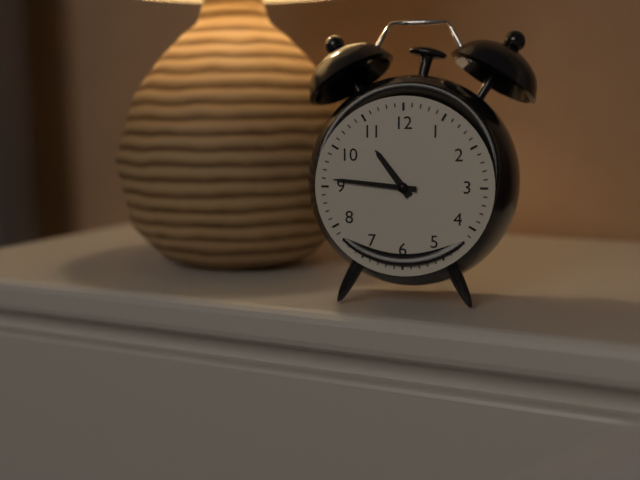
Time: **10:46**
